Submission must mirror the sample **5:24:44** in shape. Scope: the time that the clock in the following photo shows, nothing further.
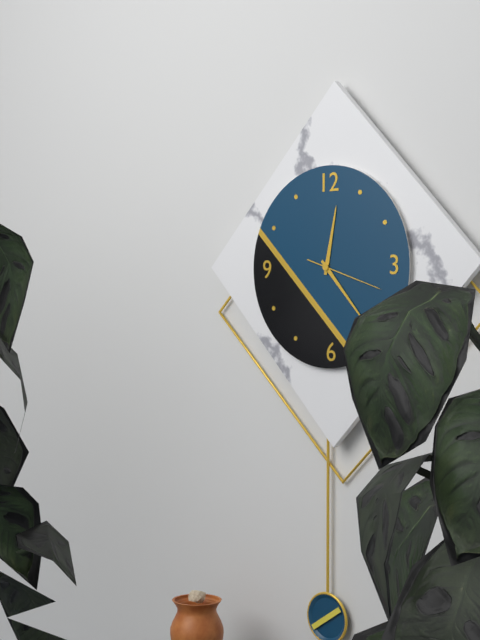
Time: **12:23:18**
